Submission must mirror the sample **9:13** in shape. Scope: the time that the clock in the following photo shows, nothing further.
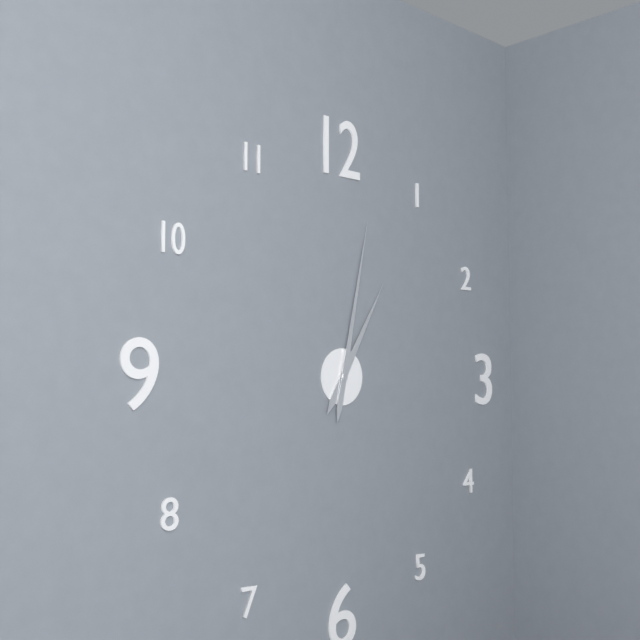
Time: **1:02**
